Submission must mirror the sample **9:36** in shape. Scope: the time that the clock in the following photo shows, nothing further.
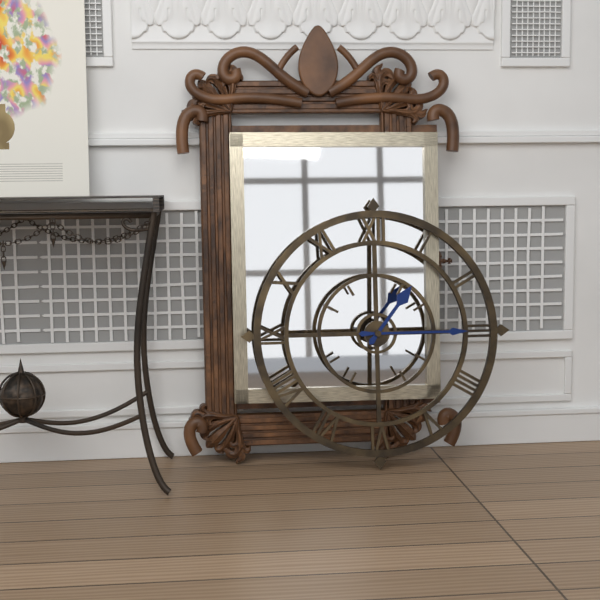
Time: **1:15**
